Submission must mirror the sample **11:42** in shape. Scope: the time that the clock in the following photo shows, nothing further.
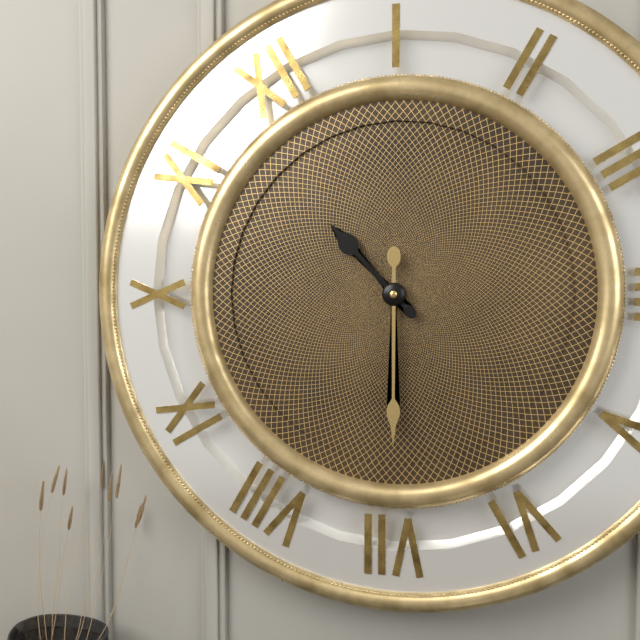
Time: **11:35**
